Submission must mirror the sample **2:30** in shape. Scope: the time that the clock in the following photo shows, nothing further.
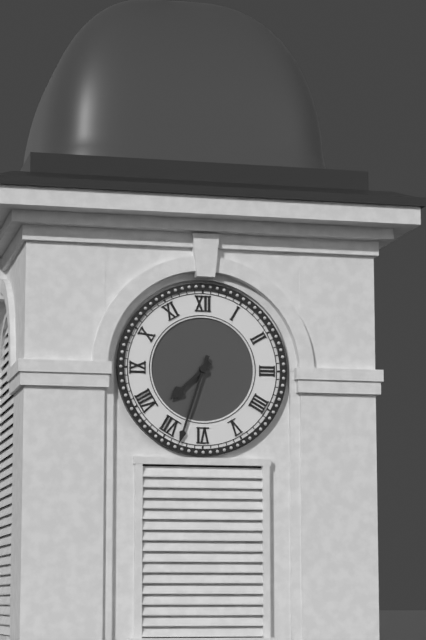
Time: **7:33**
